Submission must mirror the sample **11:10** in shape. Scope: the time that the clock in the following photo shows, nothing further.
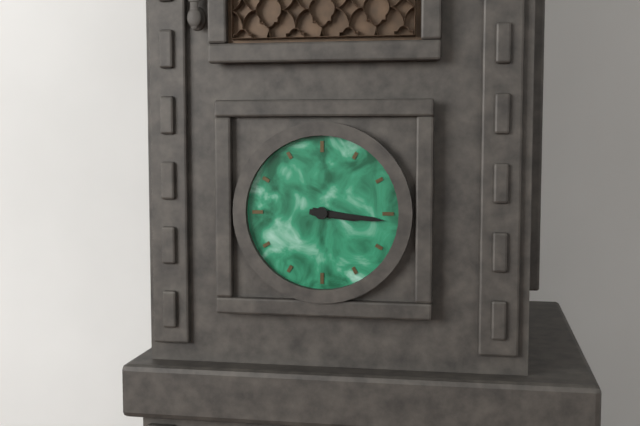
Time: **3:16**
